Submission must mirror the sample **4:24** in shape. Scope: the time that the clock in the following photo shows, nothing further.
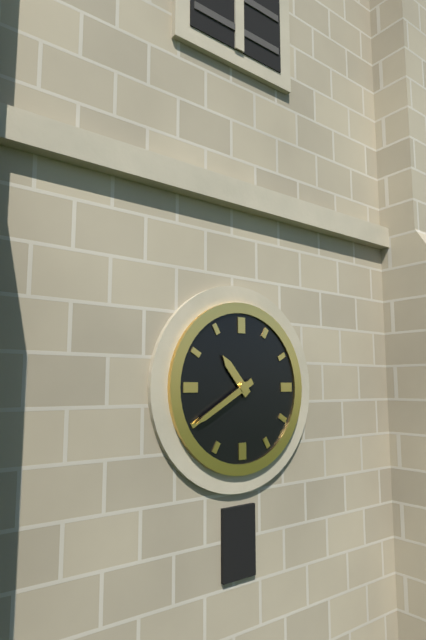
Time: **10:40**
